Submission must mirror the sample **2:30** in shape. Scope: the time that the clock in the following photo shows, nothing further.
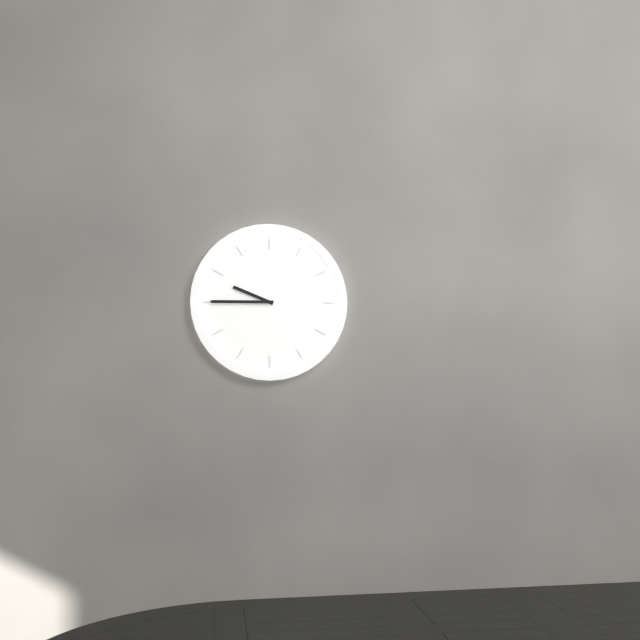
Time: **9:45**
